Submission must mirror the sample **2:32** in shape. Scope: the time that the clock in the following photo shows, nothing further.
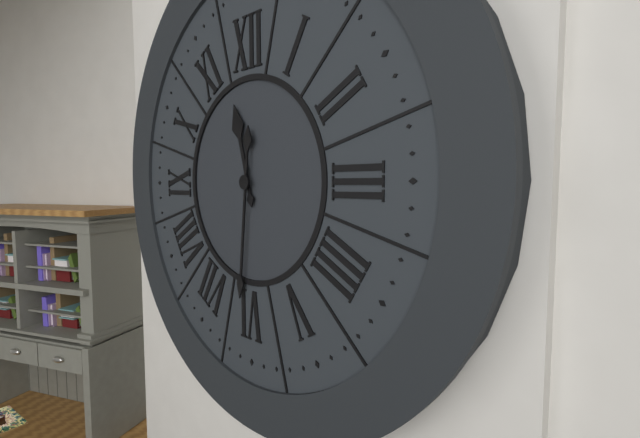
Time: **11:31**
